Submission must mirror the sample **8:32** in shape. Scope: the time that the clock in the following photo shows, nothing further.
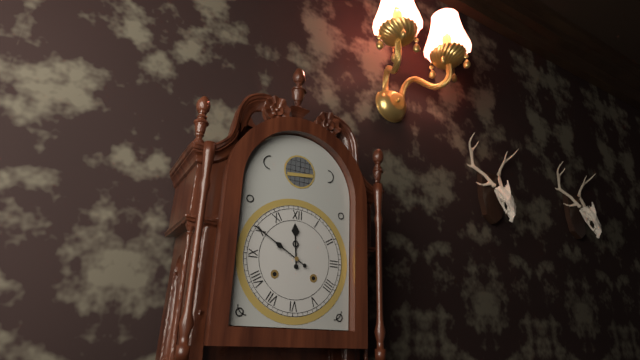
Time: **11:50**
